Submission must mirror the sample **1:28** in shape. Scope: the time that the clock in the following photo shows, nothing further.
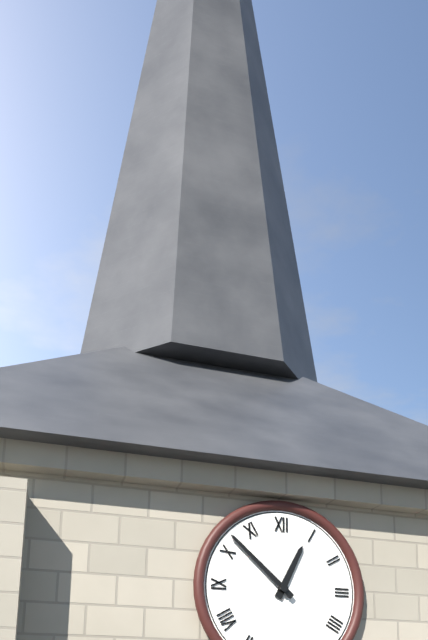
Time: **12:52**
